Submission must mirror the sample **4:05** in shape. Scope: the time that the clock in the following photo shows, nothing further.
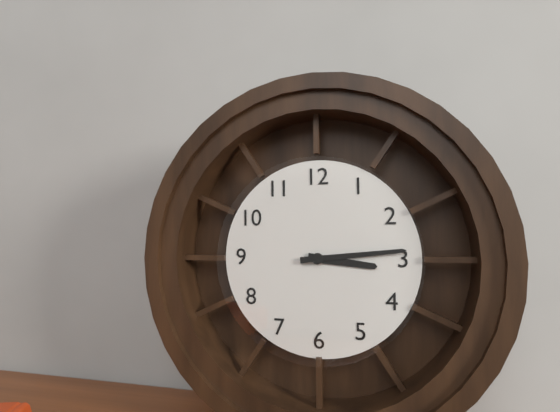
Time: **3:14**
